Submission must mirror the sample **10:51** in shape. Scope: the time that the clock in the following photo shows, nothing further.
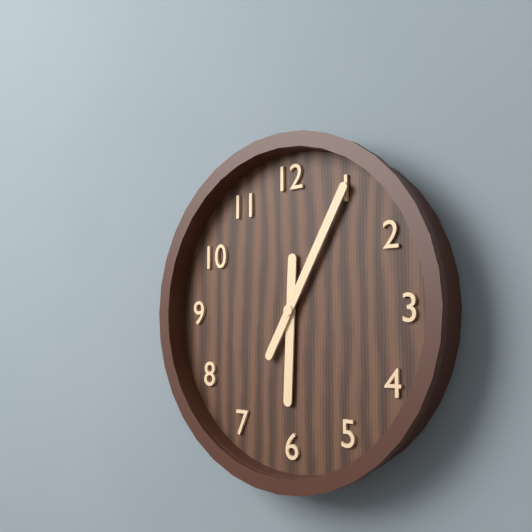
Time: **6:05**
